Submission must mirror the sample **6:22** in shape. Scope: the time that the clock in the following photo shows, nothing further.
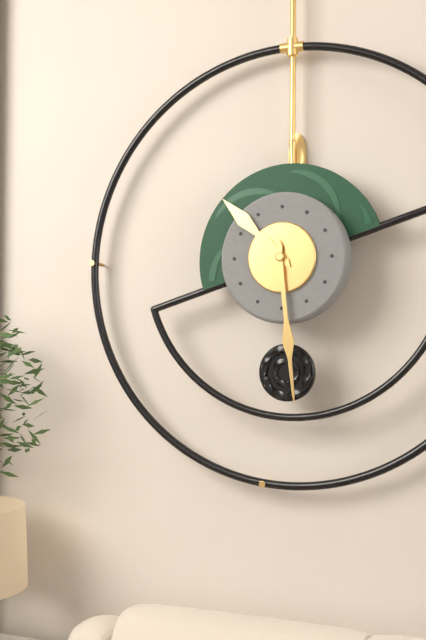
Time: **10:29**
